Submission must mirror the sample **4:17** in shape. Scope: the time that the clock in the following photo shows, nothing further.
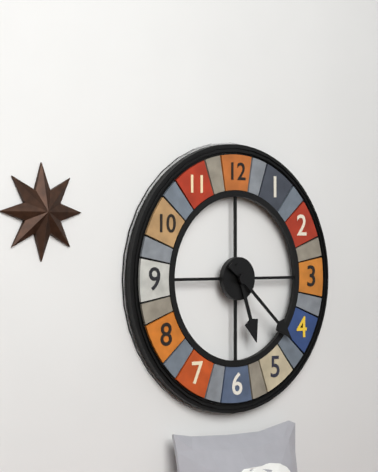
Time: **5:22**
